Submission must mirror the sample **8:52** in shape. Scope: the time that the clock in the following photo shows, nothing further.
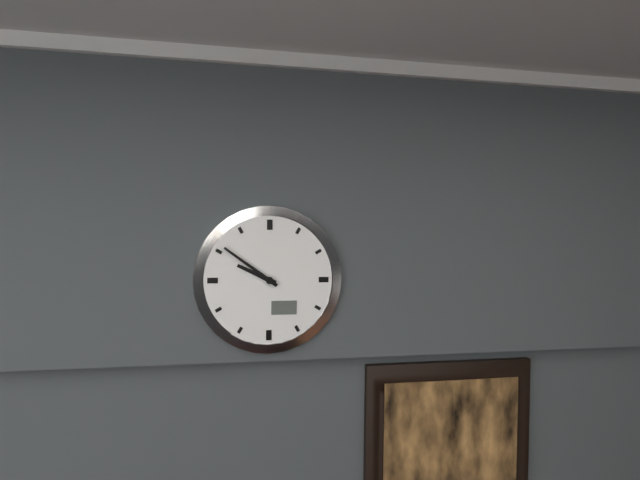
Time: **9:51**
